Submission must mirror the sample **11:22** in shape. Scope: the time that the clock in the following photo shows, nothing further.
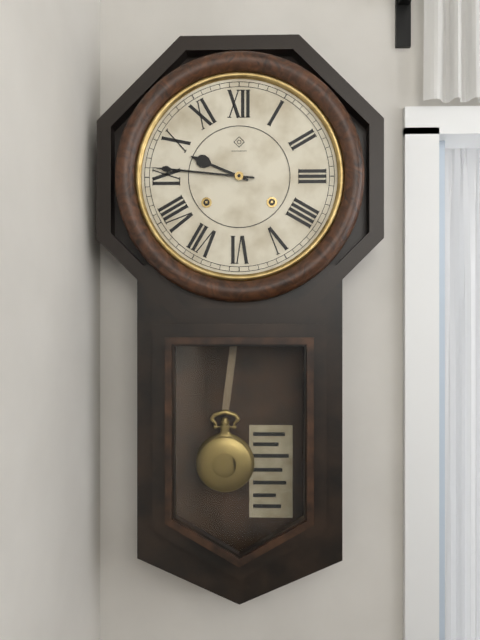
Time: **9:46**
